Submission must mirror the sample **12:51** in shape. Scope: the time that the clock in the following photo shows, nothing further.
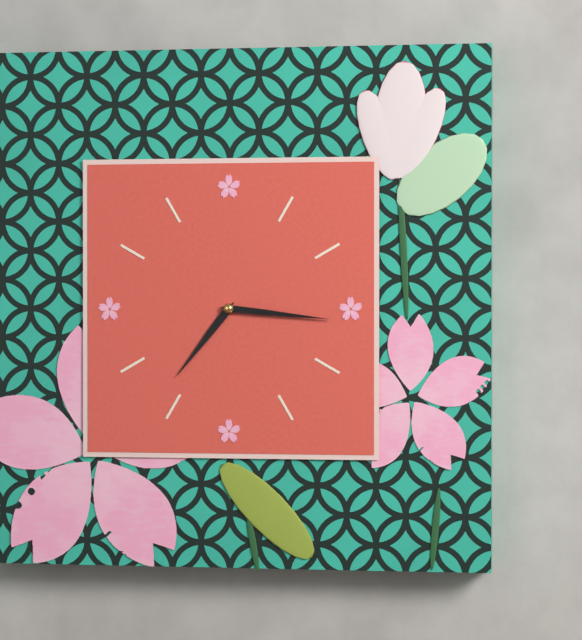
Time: **7:16**
